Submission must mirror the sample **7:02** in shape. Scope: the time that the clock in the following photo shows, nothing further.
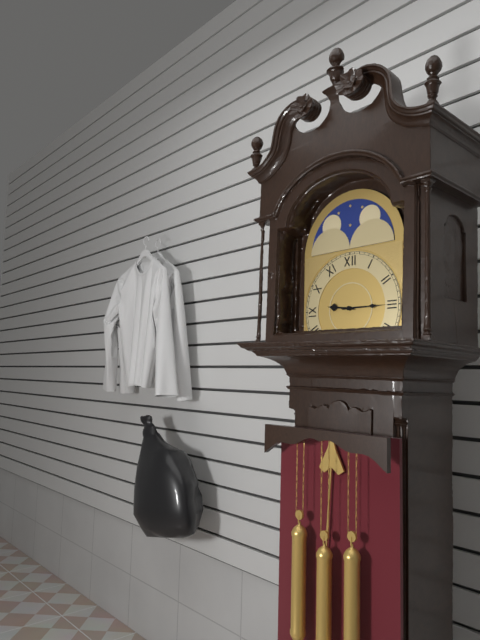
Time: **9:15**
